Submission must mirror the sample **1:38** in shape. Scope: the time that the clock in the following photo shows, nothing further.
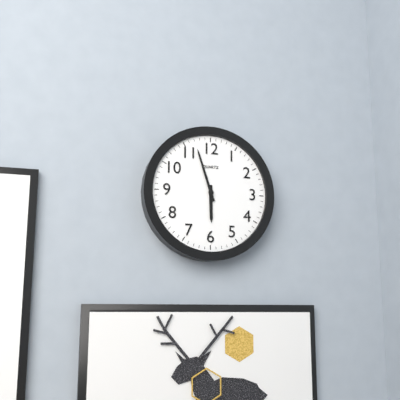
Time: **5:57**
